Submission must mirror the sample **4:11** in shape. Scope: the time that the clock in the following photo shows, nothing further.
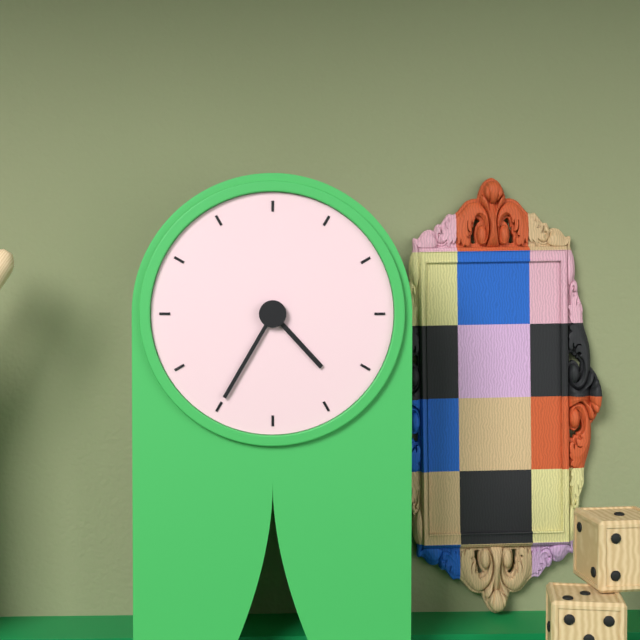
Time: **4:35**
